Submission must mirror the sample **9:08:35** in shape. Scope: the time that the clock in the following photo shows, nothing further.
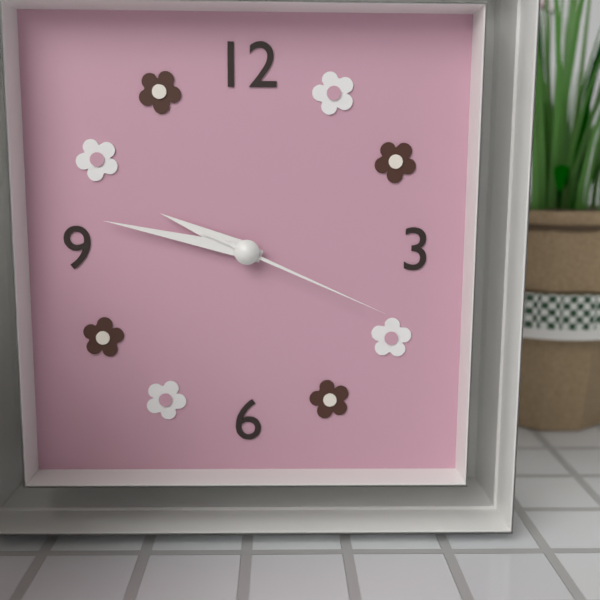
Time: **9:47:19**
